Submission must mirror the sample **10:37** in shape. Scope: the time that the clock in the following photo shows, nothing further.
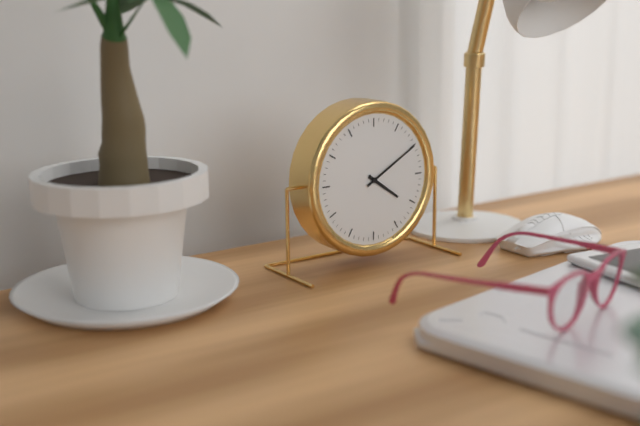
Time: **4:10**
